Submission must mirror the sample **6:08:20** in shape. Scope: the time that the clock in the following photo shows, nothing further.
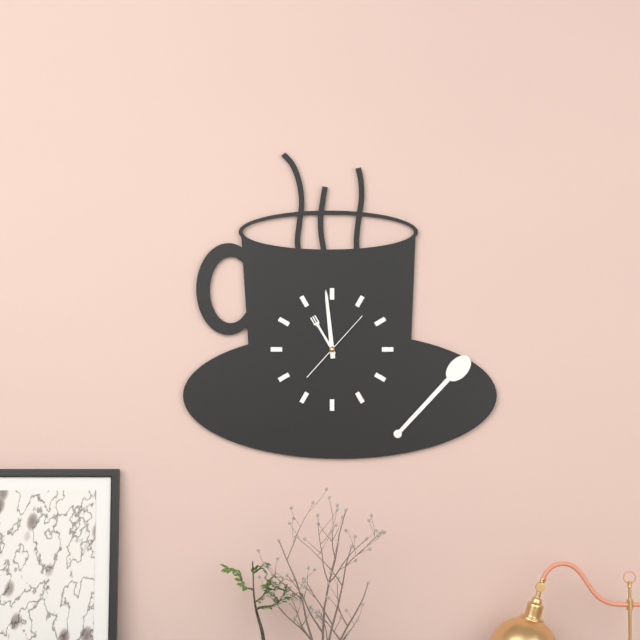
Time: **10:59:07**
